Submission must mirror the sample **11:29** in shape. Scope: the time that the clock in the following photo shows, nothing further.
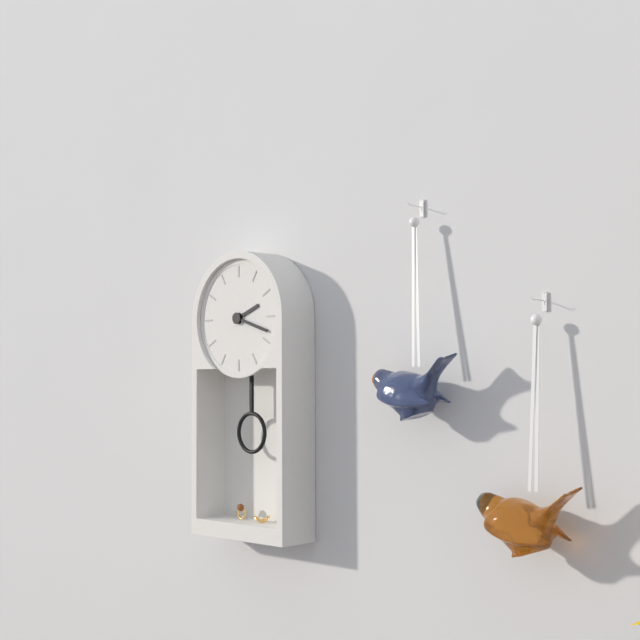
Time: **2:18**
